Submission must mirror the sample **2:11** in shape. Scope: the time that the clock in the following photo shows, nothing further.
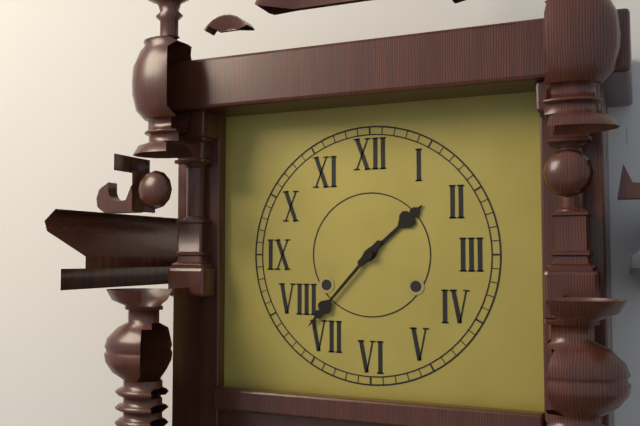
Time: **1:37**
